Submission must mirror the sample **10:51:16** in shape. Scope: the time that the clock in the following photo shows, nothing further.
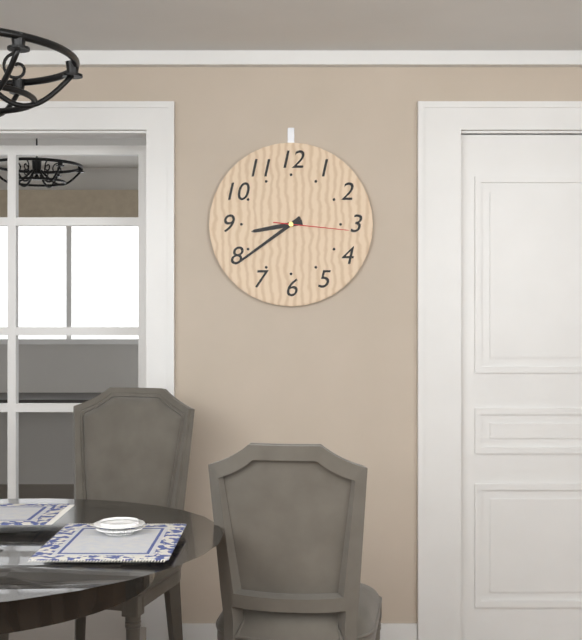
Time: **8:39:16**
